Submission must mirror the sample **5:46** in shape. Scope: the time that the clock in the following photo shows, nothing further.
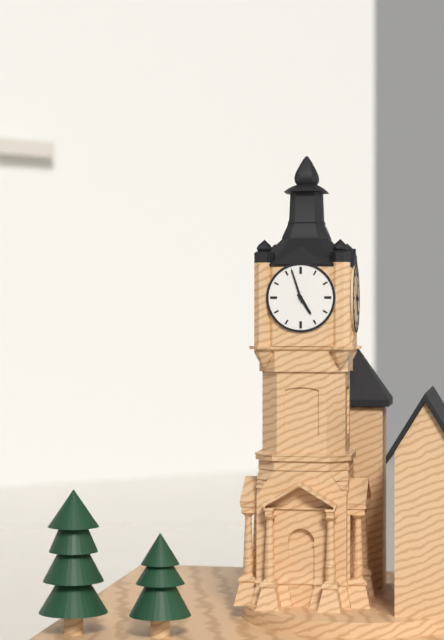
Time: **4:57**
